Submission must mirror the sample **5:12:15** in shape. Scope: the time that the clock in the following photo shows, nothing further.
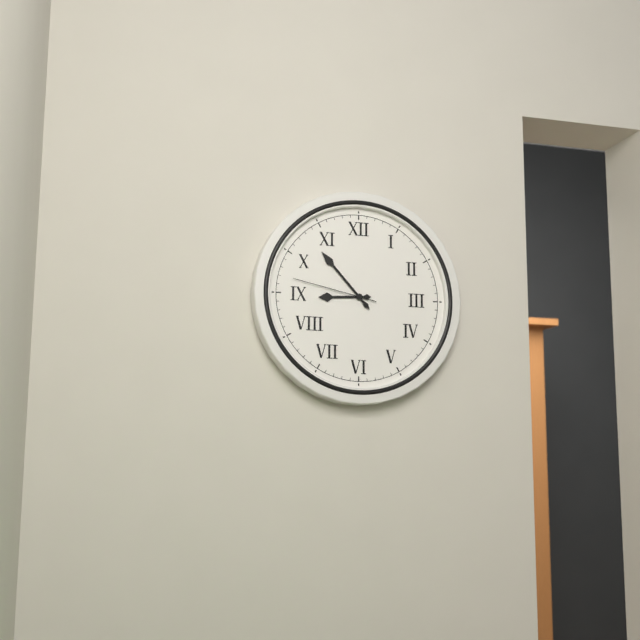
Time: **8:53:47**
